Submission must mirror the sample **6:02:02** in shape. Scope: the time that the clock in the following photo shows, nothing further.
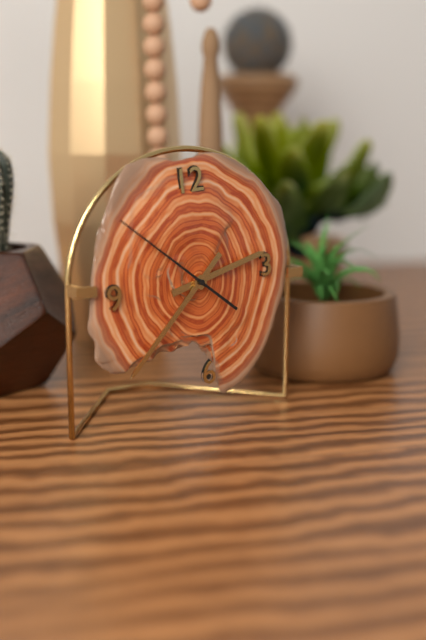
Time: **2:38:52**
